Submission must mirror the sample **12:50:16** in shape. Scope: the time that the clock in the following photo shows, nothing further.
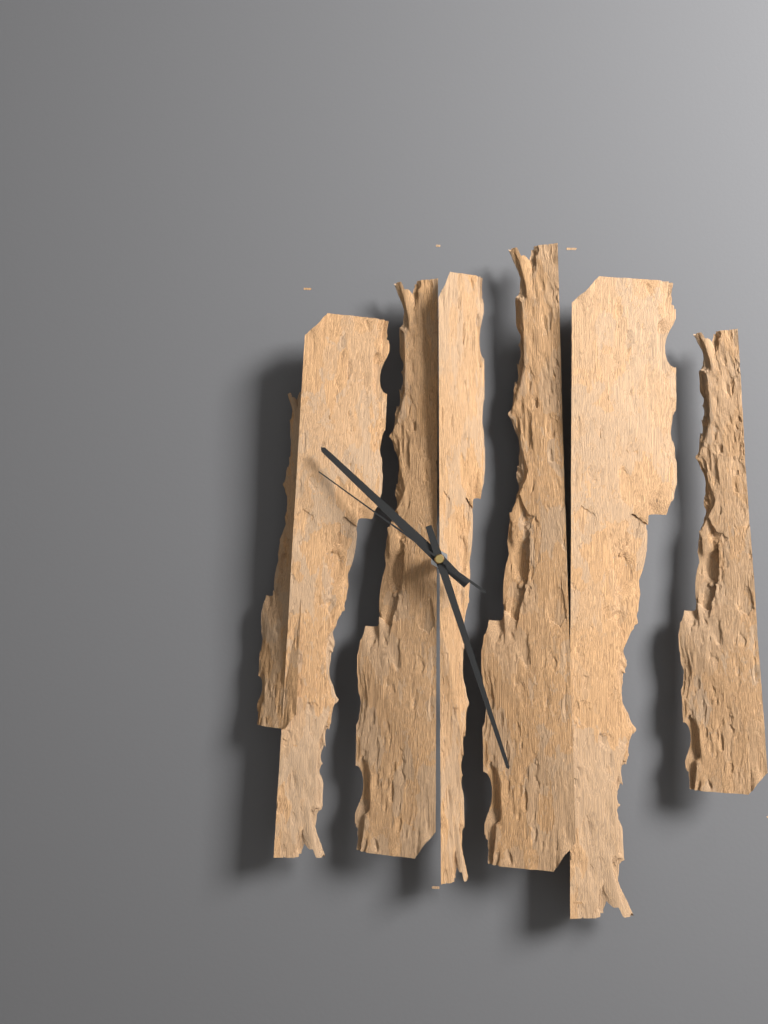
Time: **10:27:51**
